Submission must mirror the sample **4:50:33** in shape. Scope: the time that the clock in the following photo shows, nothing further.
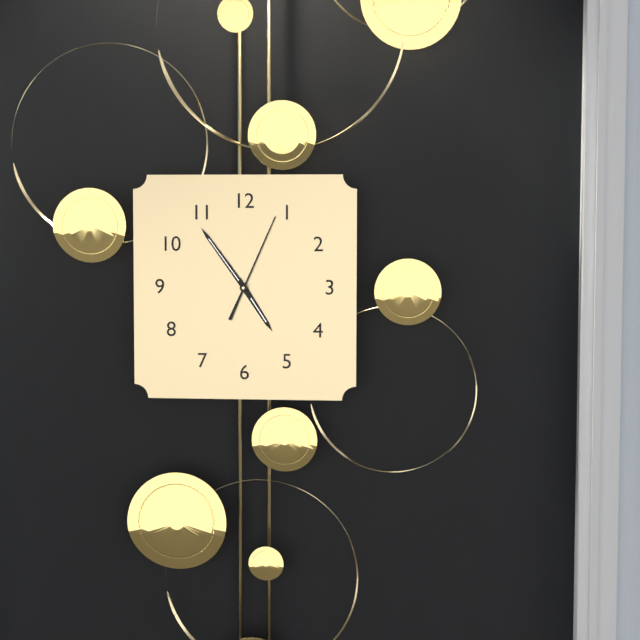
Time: **4:54:04**
